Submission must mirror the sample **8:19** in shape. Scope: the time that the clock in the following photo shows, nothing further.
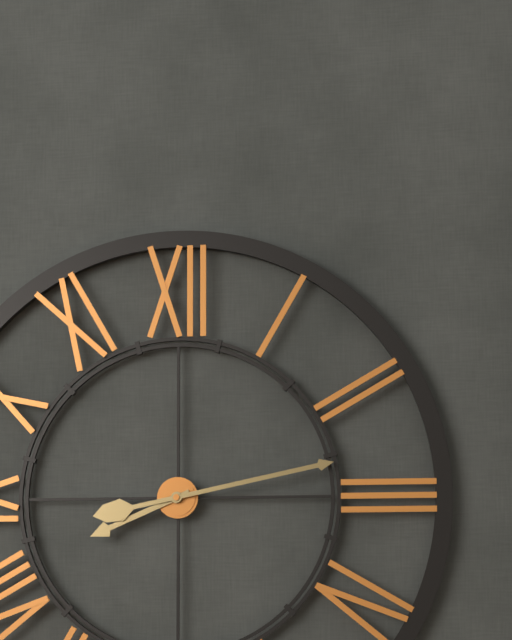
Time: **8:13**
